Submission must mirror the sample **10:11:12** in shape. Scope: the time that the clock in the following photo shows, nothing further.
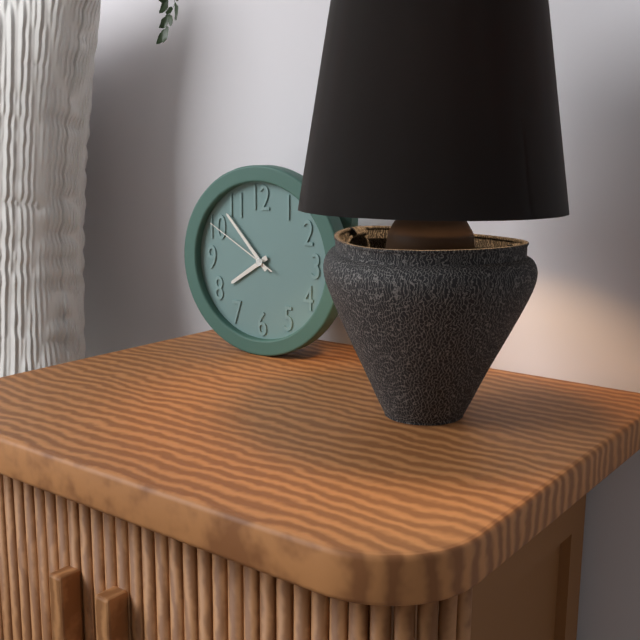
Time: **7:53:50**
